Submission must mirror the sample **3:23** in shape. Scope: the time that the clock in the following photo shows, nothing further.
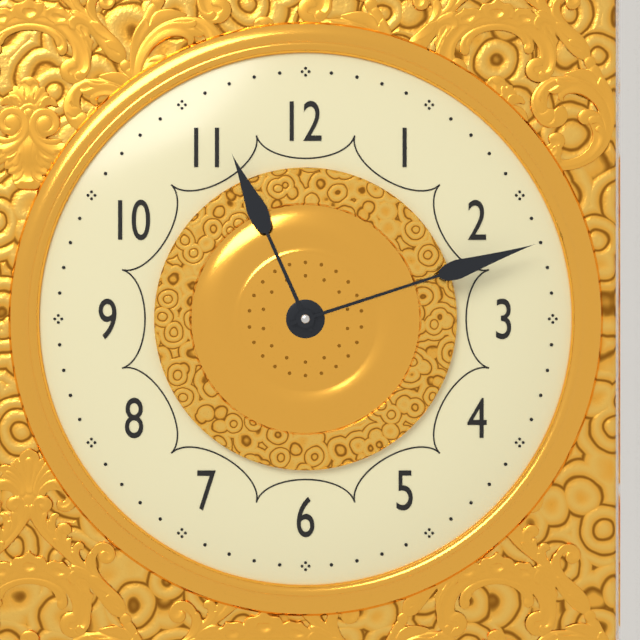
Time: **11:12**
